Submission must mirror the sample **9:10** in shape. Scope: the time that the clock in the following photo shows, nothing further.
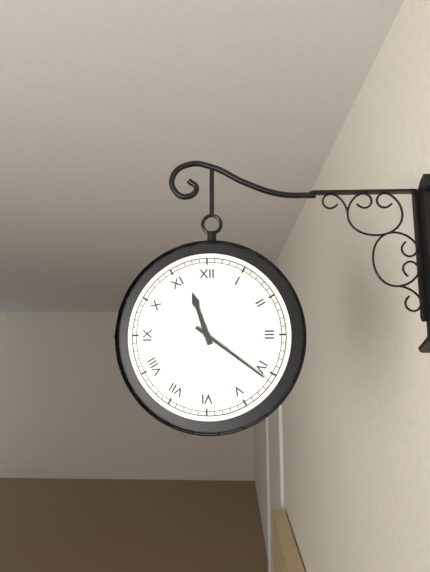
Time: **11:21**
